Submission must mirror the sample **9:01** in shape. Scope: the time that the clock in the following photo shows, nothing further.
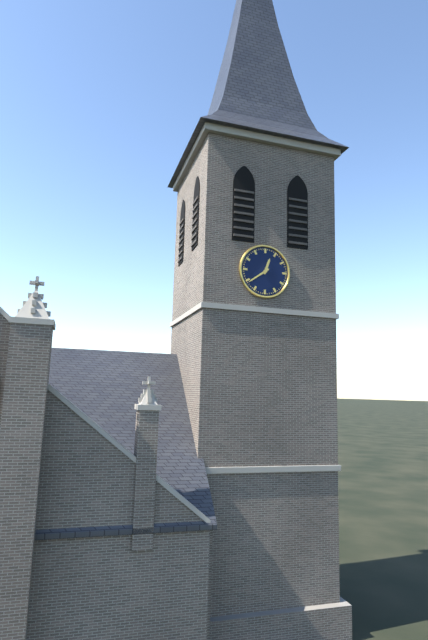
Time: **12:39**
